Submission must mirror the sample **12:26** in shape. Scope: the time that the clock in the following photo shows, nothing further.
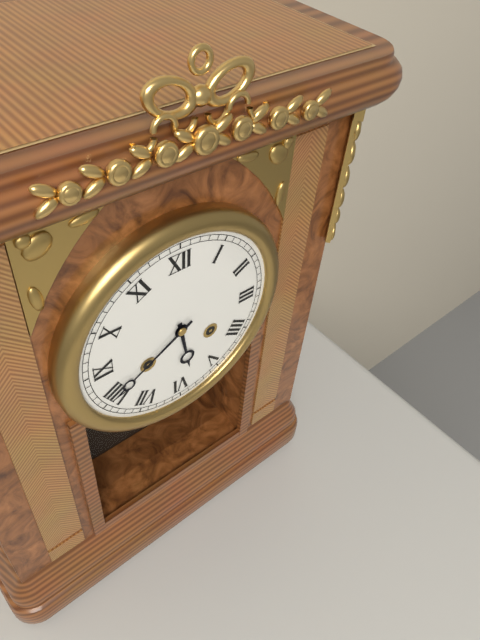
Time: **5:40**
